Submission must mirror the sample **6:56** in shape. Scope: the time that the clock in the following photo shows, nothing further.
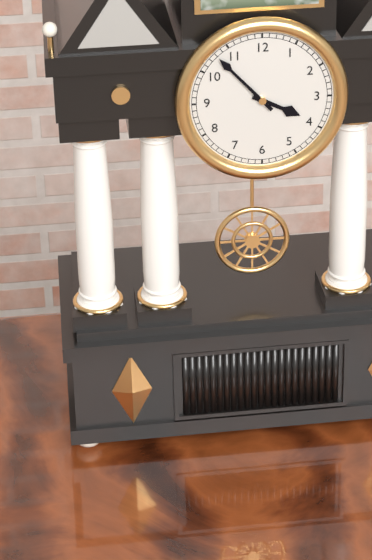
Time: **3:53**
